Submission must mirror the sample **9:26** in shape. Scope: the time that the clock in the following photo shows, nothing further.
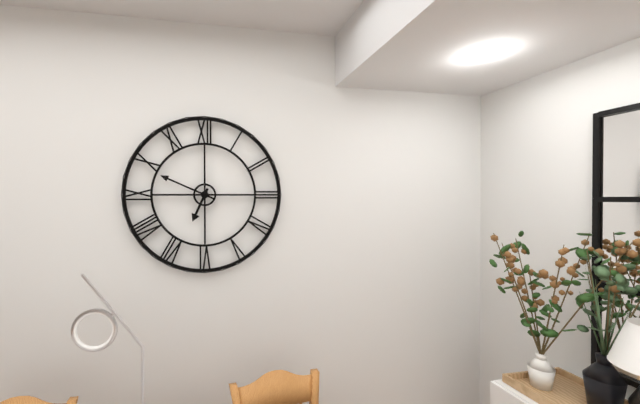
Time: **6:49**
